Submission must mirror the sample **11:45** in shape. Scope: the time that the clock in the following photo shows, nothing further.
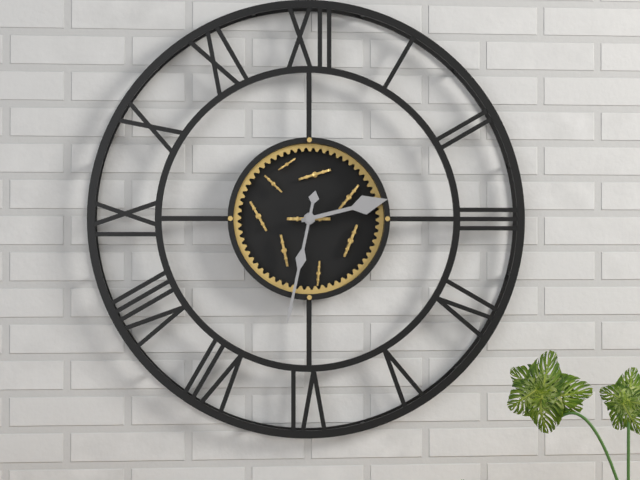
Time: **2:32**
